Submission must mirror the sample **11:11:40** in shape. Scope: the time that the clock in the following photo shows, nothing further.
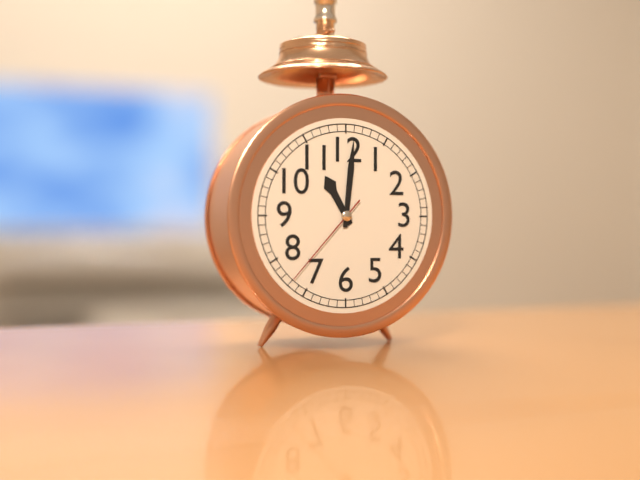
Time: **11:01:37**
